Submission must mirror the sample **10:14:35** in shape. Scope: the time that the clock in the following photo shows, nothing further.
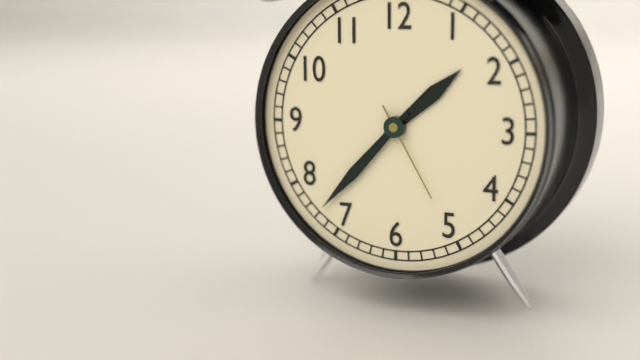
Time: **1:37:25**
